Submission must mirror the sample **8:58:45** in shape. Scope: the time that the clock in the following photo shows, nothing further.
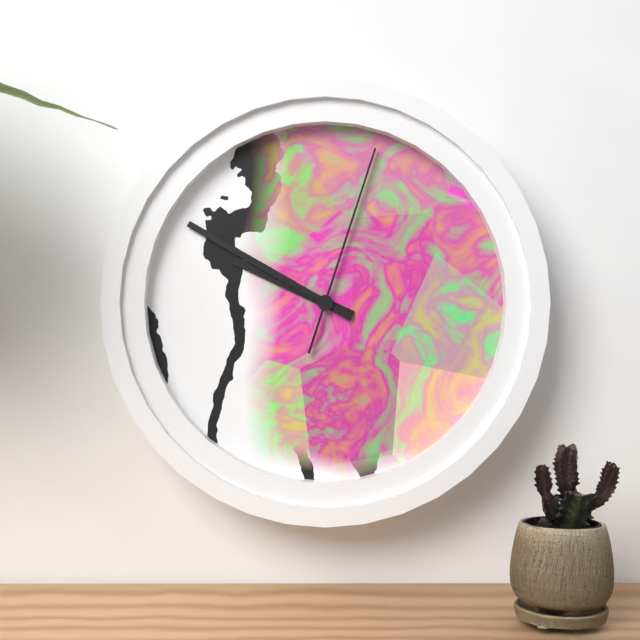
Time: **9:50:03**
